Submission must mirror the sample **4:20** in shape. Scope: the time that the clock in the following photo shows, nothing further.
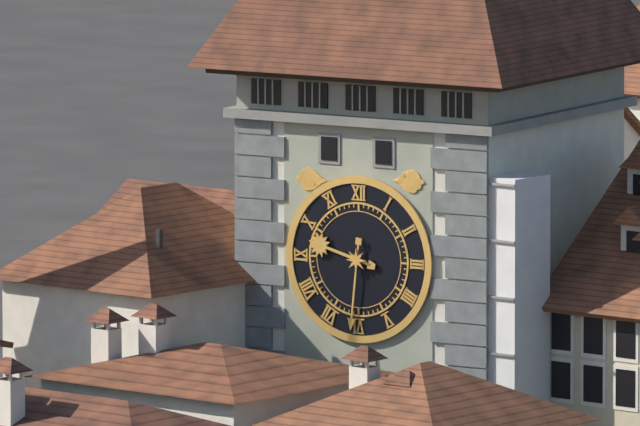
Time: **9:31**
